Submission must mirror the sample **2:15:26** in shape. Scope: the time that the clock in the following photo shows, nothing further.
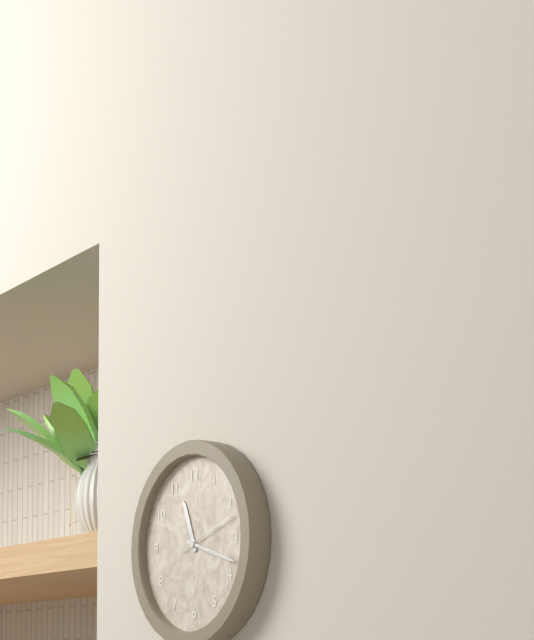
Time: **11:18:12**
